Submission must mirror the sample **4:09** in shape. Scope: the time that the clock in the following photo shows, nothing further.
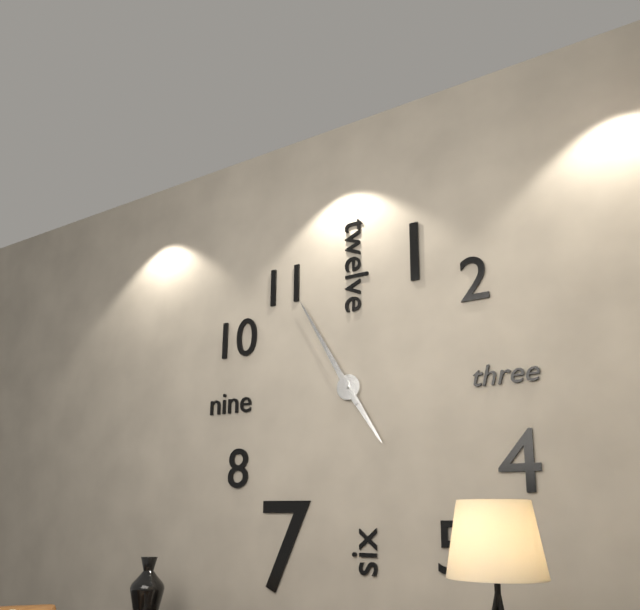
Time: **4:55**
